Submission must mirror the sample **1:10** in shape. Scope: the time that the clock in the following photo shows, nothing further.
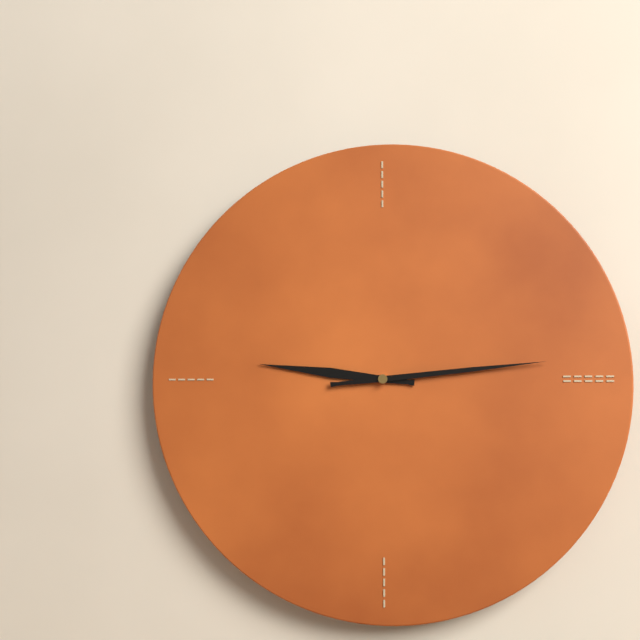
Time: **9:14**
